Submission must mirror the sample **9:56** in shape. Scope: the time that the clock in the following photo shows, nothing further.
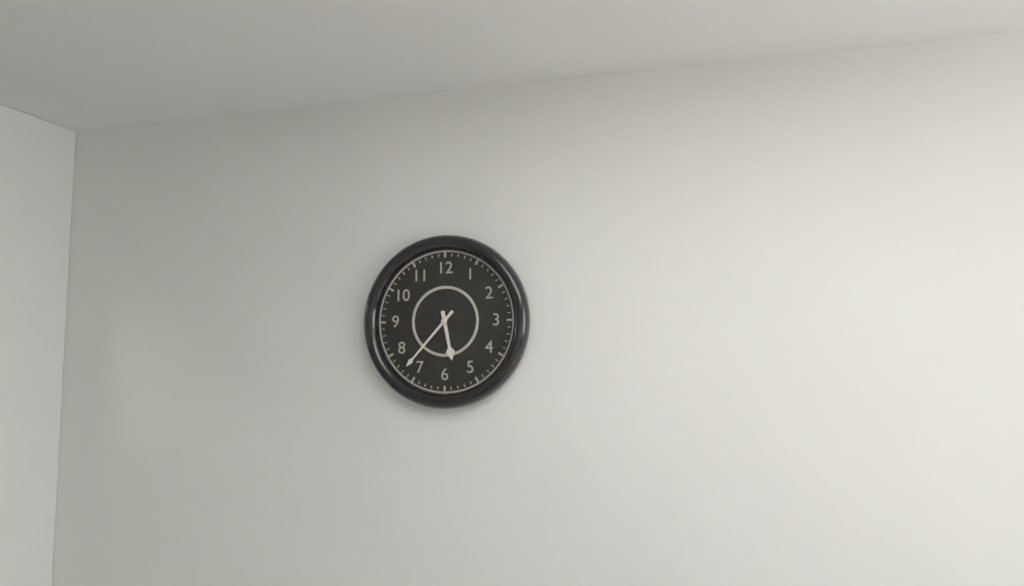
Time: **5:37**
